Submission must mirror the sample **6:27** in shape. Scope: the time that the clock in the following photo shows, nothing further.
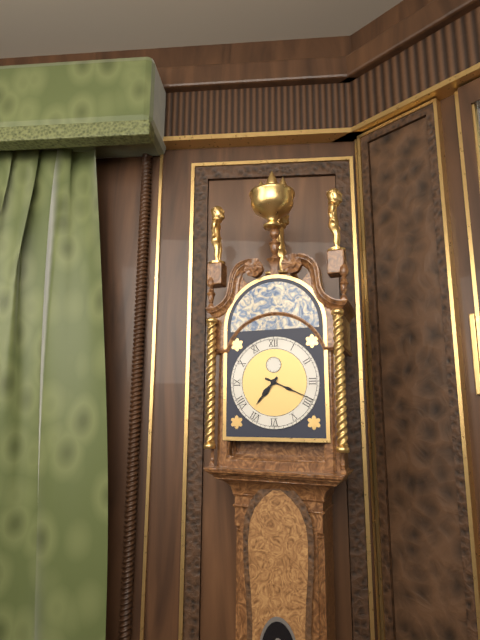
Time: **7:19**
